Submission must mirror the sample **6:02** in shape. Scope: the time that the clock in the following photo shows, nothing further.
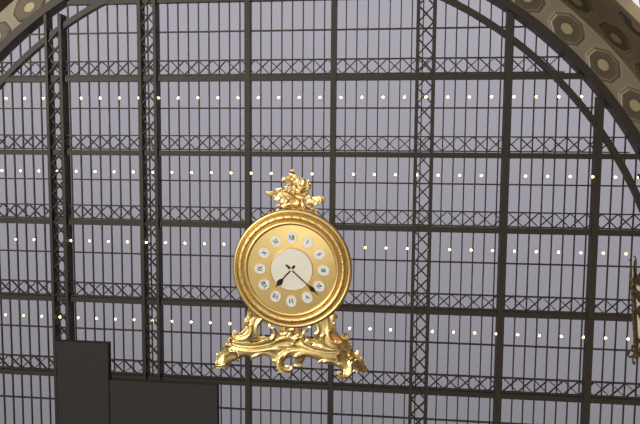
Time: **7:22**
